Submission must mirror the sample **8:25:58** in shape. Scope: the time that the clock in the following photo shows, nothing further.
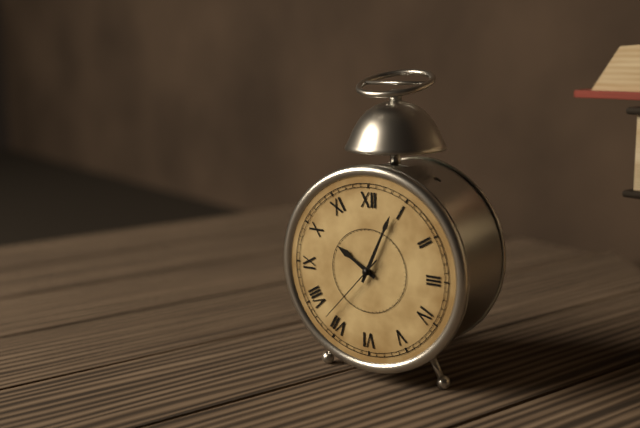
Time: **10:04:37**
